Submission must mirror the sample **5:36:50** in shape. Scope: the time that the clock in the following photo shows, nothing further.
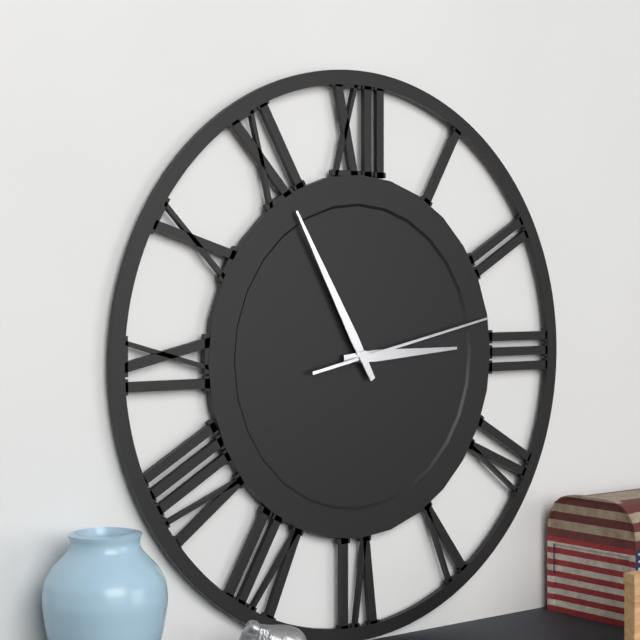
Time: **2:55:13**
